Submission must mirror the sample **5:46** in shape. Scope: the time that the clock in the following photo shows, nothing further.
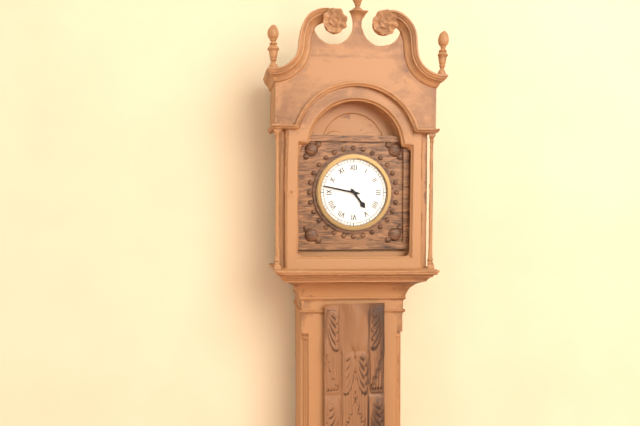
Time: **4:47**
